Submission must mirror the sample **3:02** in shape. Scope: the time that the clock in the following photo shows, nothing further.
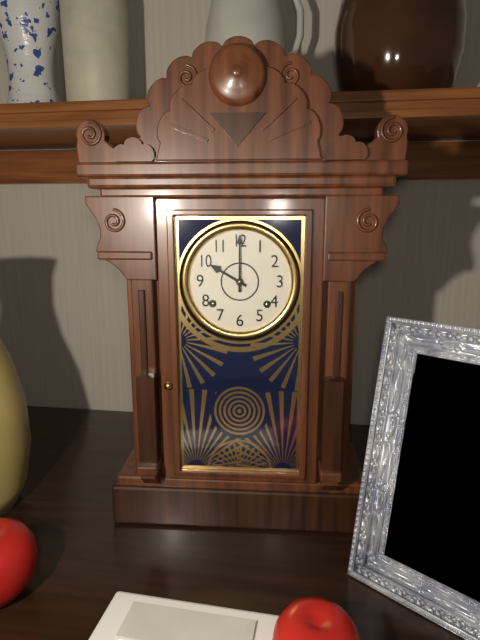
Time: **10:00**
